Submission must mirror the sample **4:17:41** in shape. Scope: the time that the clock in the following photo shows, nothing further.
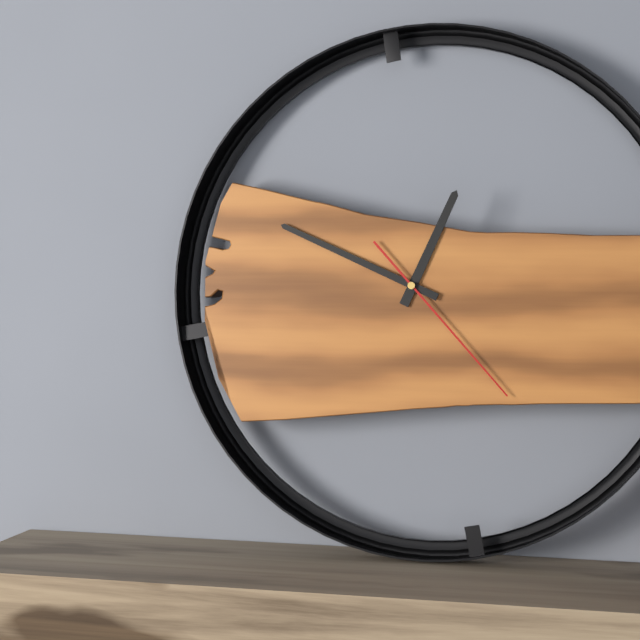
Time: **12:49:23**
